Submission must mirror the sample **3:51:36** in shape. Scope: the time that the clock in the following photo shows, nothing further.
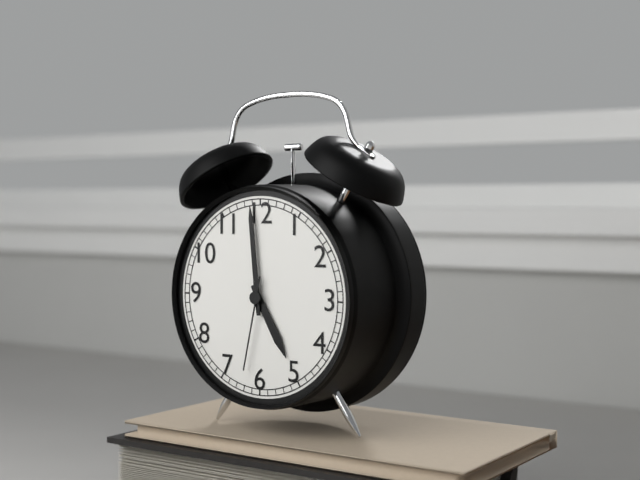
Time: **4:59:32**
